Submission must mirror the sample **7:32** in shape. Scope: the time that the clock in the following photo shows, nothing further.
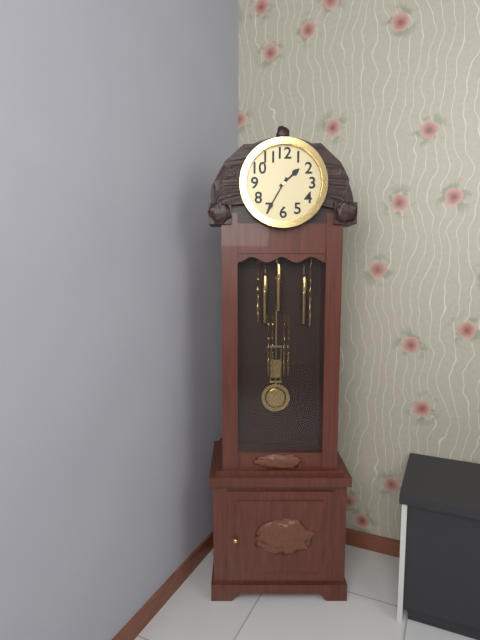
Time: **1:35**
